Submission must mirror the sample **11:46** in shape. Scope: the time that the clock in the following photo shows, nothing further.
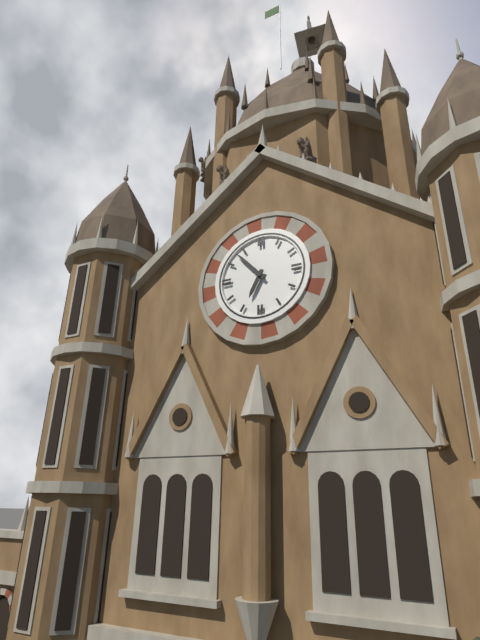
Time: **6:53**
